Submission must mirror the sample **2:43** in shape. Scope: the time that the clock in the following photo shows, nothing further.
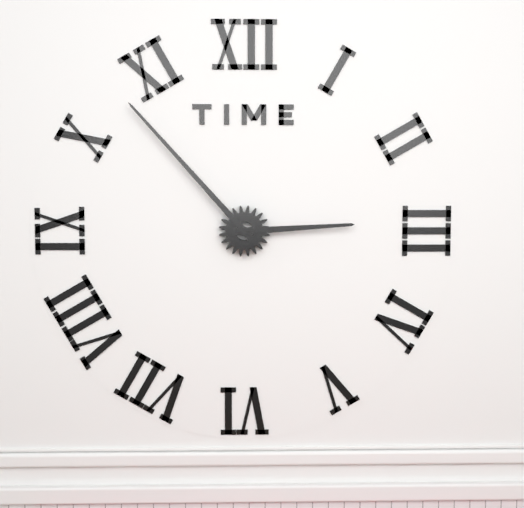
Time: **2:53**
